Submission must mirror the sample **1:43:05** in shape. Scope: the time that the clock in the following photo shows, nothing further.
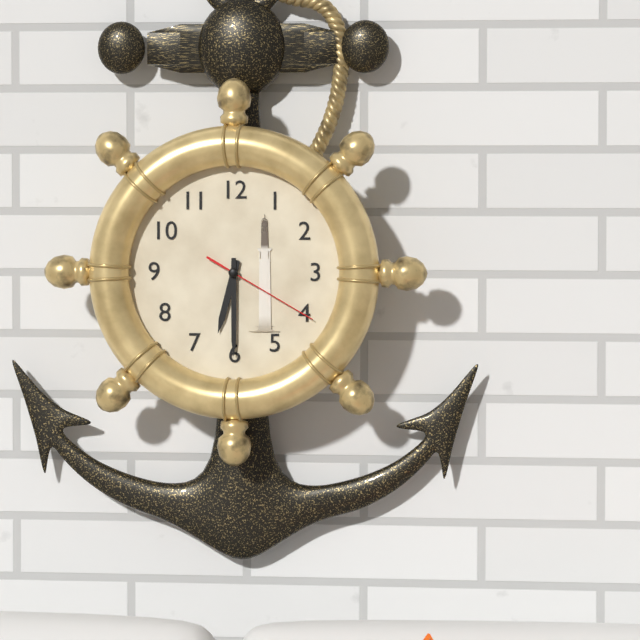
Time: **6:30:20**
